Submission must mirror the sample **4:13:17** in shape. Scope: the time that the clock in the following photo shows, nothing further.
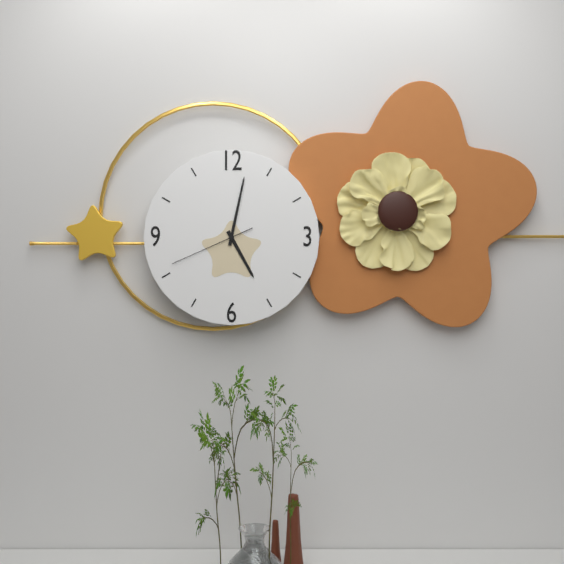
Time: **5:02:41**
